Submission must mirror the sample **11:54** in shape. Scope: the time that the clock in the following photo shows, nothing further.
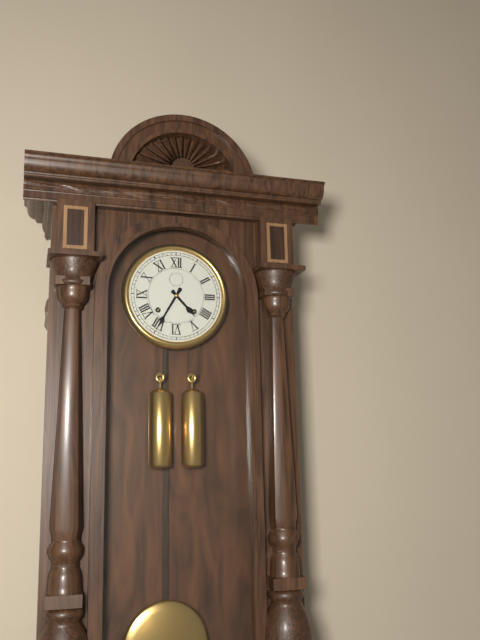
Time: **4:35**
